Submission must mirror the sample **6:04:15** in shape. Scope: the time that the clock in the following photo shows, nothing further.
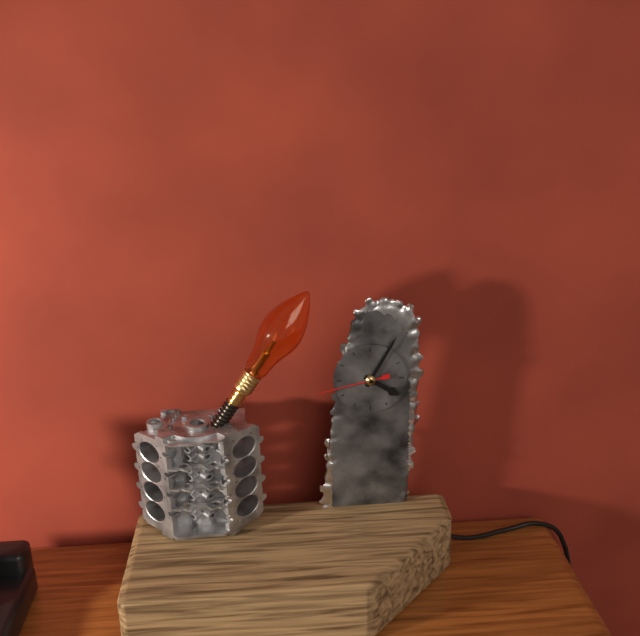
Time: **4:05:43**
